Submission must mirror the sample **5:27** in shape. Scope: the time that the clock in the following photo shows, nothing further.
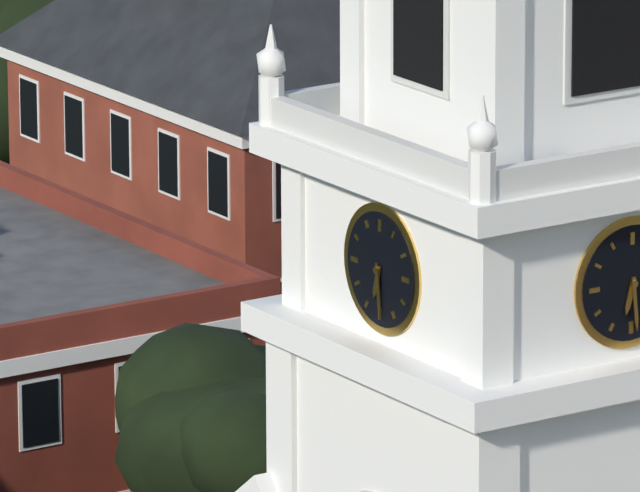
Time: **6:29**
